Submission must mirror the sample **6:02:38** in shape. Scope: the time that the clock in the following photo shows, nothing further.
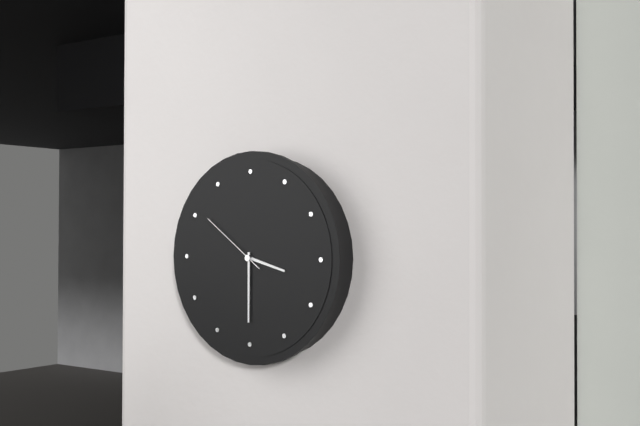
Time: **3:30:51**
